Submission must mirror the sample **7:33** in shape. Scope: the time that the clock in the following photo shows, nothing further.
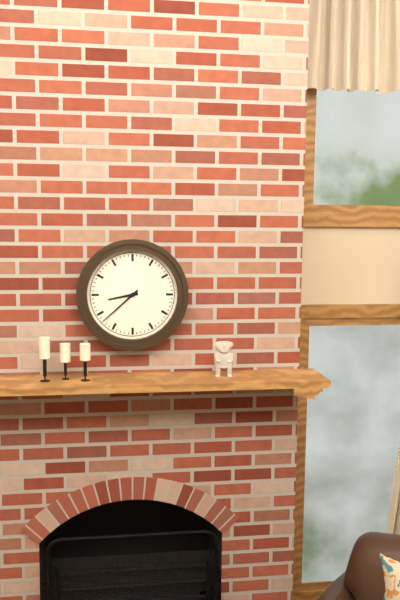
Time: **8:38**
